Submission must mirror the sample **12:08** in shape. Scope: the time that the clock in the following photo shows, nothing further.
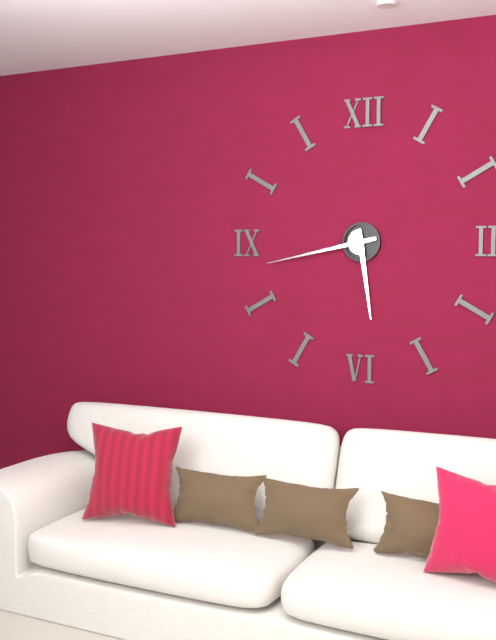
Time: **5:43**
